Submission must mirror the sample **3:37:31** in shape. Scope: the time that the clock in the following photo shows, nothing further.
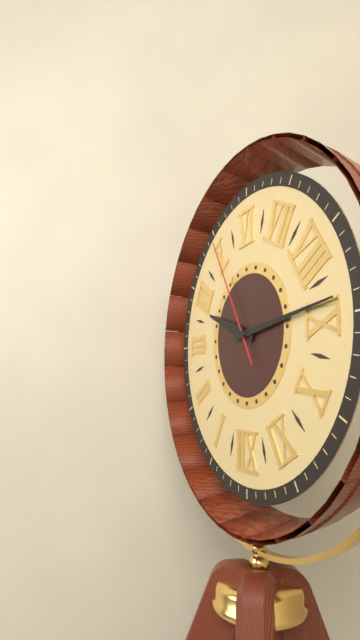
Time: **3:44:25**
